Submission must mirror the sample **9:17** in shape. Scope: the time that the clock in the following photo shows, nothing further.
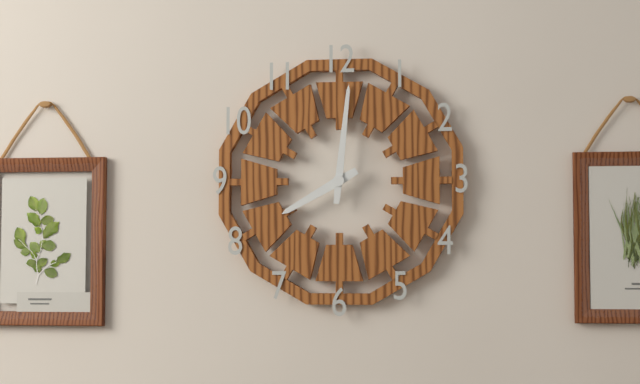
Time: **8:01**
